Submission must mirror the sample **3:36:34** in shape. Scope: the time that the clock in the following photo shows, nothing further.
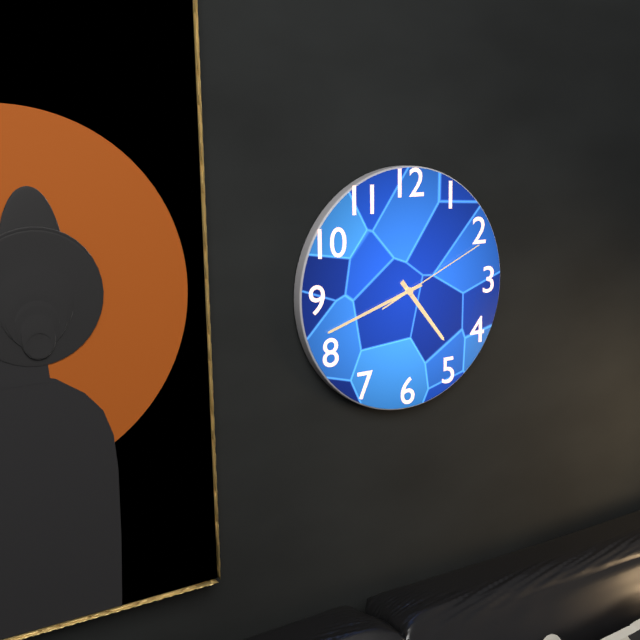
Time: **4:42:11**
